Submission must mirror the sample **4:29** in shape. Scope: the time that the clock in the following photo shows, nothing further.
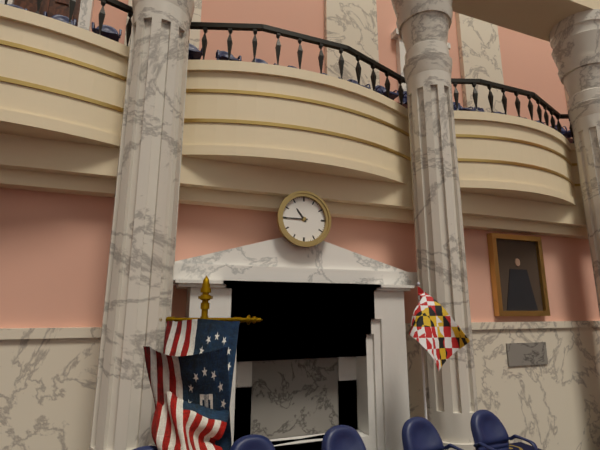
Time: **10:45**
